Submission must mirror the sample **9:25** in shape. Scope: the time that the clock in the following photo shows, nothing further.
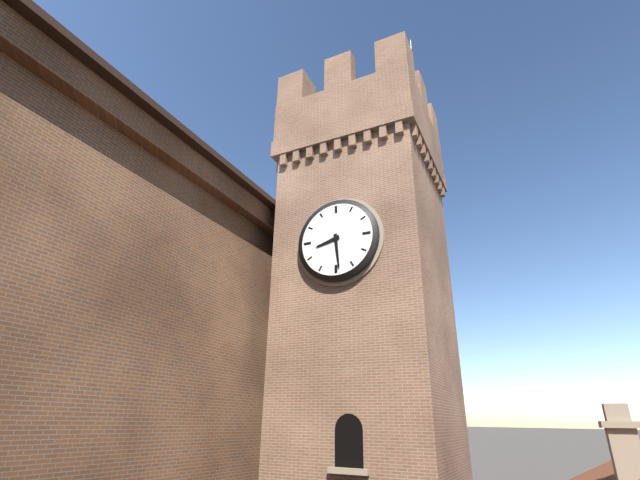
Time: **8:29**
